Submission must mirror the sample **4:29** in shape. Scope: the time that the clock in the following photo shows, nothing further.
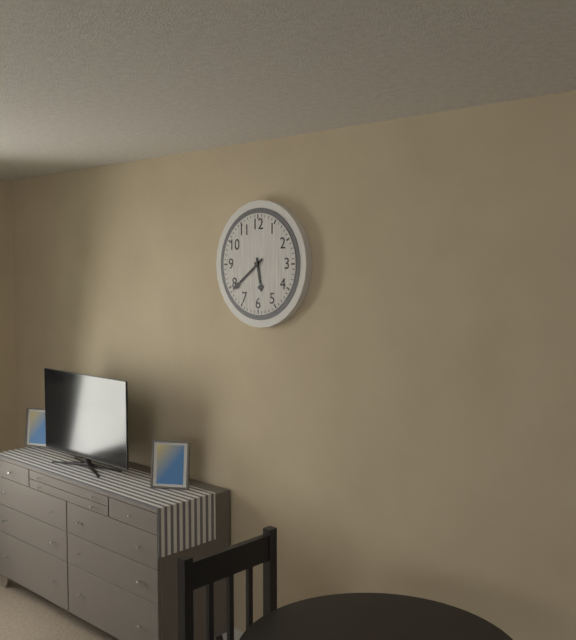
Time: **5:39**
